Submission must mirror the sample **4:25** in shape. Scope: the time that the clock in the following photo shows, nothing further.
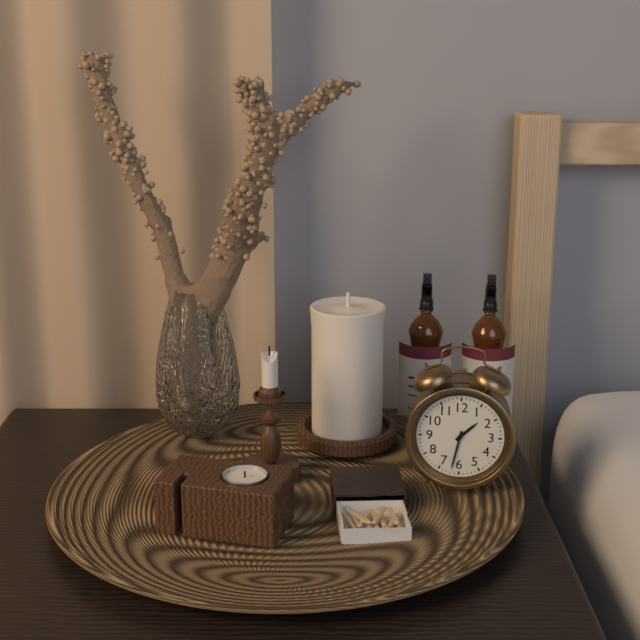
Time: **1:32**
